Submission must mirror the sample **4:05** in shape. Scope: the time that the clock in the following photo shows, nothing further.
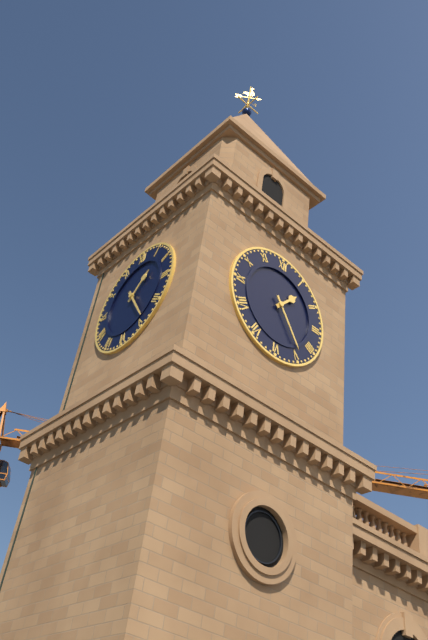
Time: **1:24**
